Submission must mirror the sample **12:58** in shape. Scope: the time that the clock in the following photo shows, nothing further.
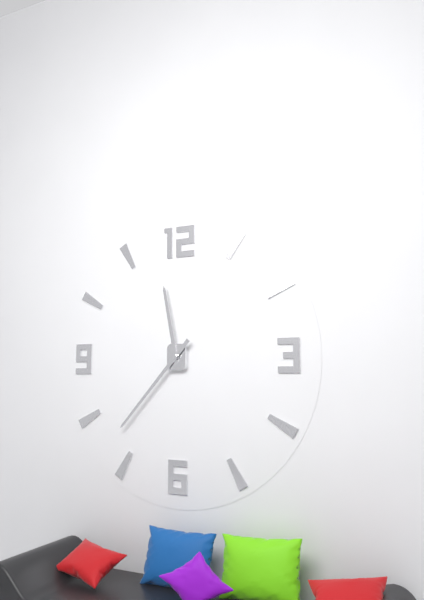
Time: **11:37**
